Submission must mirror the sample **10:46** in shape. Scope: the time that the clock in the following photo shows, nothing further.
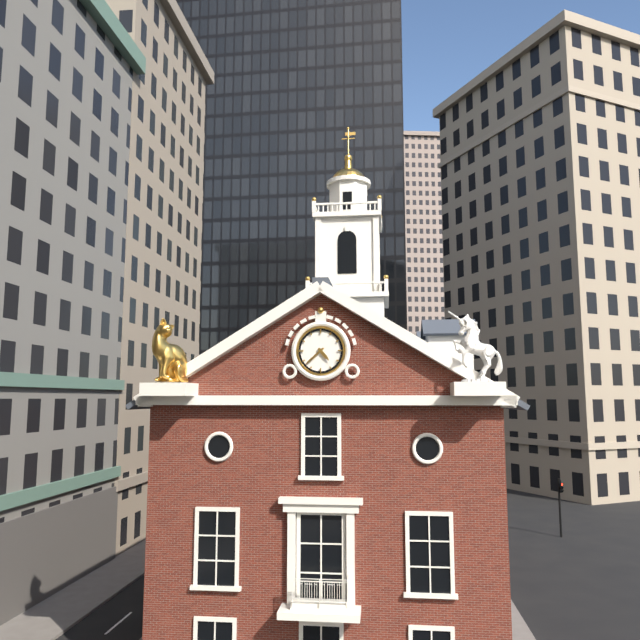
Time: **4:38**
